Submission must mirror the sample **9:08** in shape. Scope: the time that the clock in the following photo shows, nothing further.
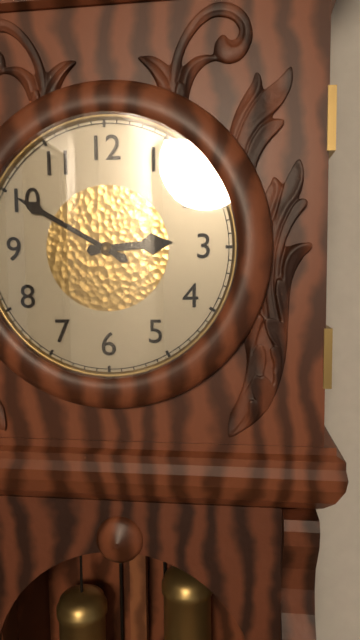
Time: **2:50**
